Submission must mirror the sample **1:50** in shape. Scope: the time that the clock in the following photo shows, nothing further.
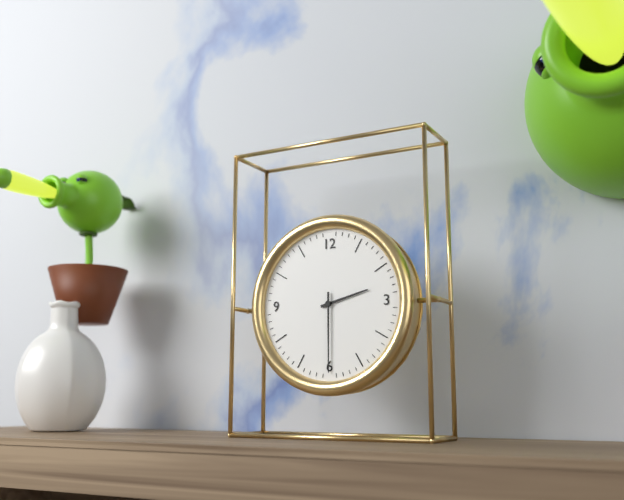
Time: **2:30**
